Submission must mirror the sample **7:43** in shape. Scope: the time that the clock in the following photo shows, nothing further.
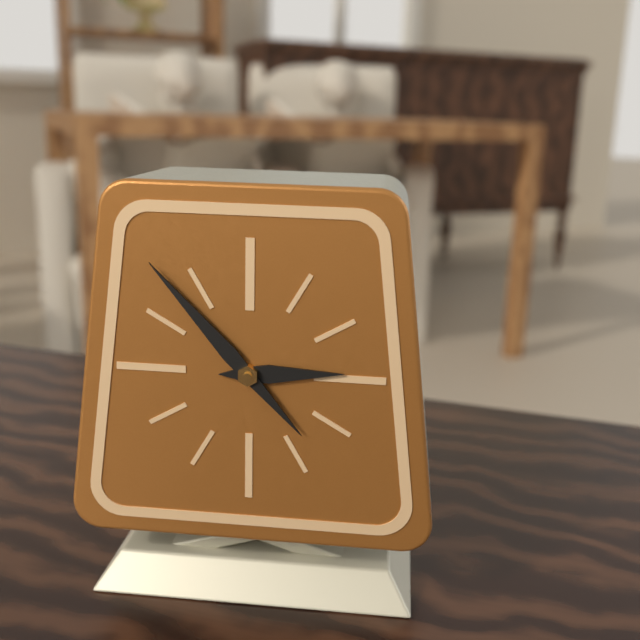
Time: **2:53**
